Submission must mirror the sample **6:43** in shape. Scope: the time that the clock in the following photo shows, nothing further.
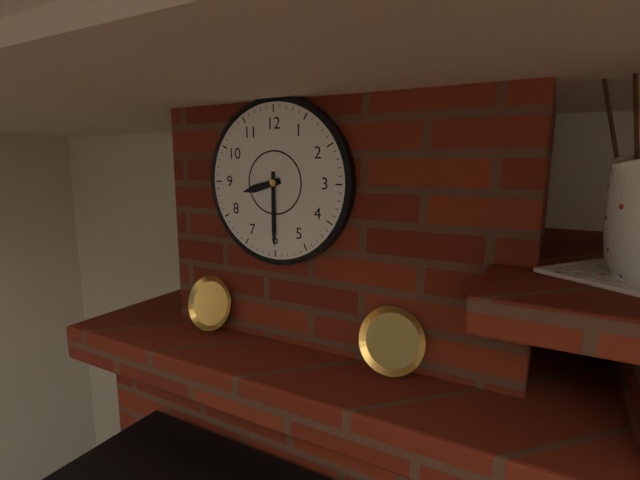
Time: **8:30**
